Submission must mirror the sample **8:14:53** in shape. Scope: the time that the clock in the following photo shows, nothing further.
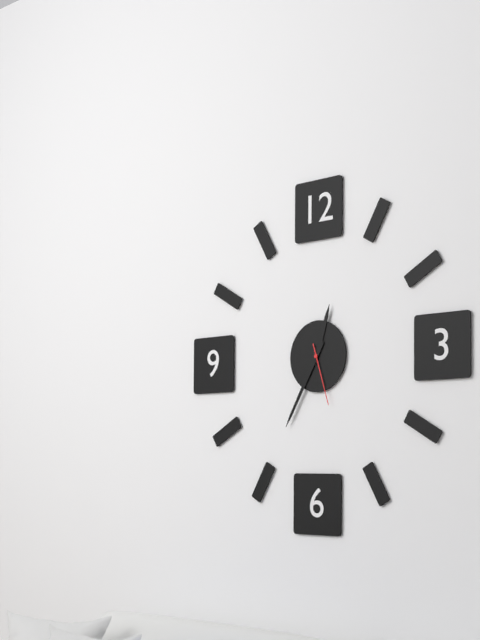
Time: **12:35:27**
